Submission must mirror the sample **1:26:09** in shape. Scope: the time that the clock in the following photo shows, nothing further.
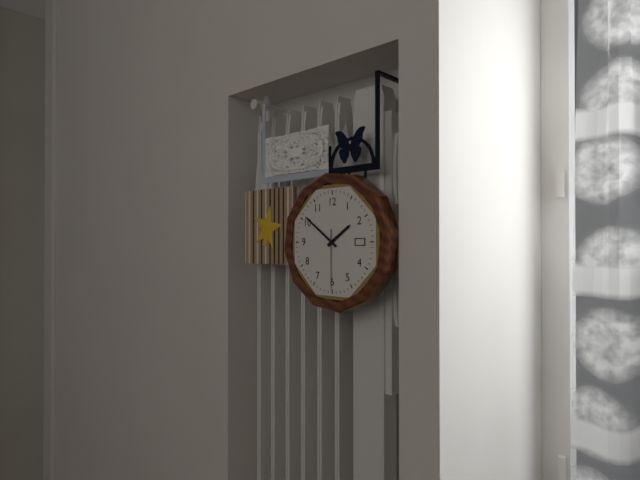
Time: **1:51:30**
